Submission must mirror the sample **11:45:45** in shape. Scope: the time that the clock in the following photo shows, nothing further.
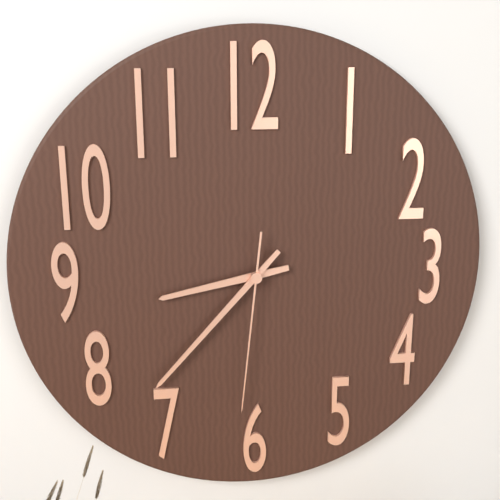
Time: **8:37:31**
